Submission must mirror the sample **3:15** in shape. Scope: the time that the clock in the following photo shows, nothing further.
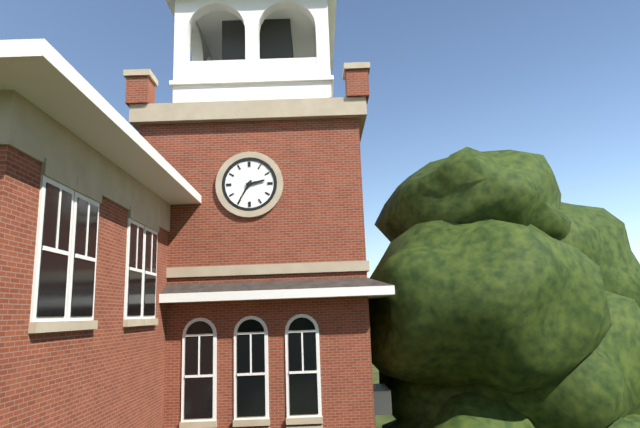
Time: **2:35**
